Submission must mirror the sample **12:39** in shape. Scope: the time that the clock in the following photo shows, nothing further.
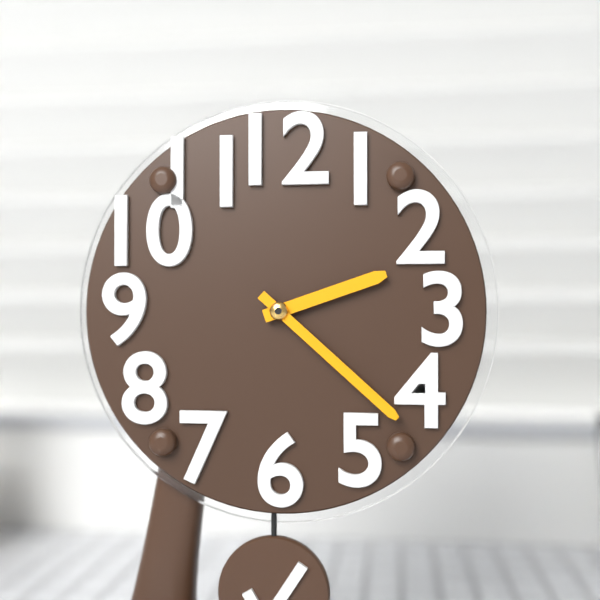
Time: **2:22**
